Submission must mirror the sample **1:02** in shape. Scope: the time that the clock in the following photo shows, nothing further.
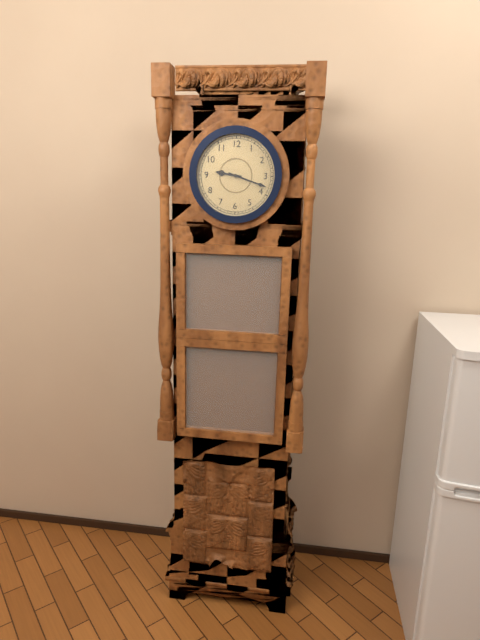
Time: **9:18**
